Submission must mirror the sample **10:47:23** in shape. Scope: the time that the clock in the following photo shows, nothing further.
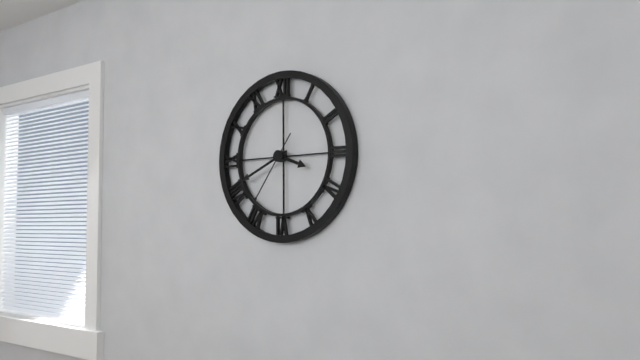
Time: **3:41:36**
